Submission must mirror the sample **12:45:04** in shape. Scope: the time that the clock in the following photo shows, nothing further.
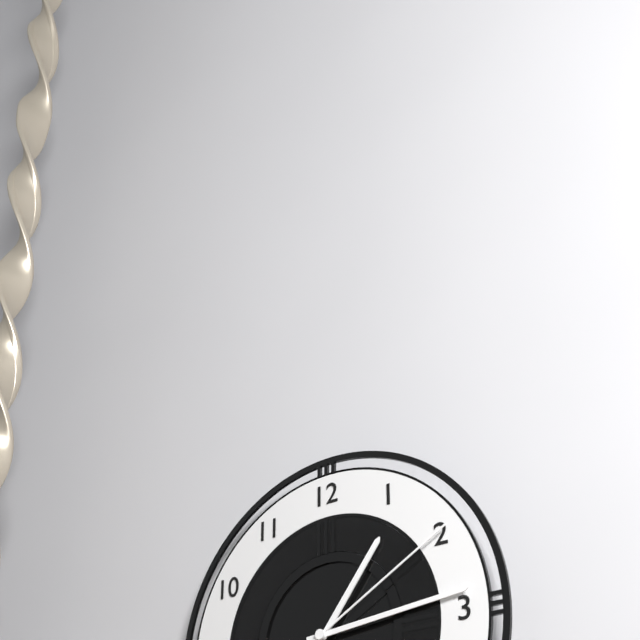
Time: **1:14:10**
